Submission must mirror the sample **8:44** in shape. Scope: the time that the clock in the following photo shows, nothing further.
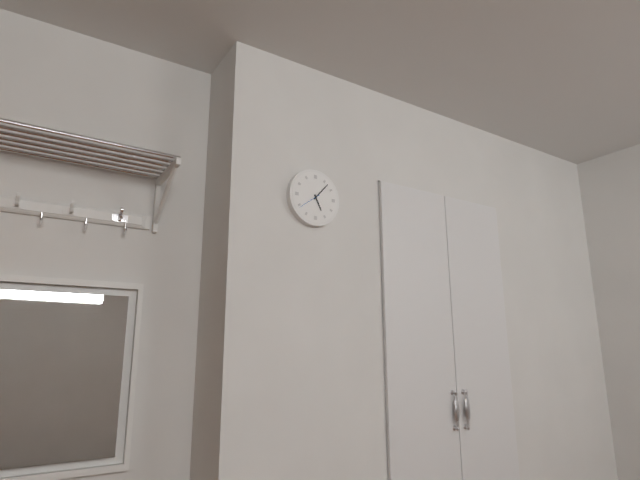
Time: **5:07**
